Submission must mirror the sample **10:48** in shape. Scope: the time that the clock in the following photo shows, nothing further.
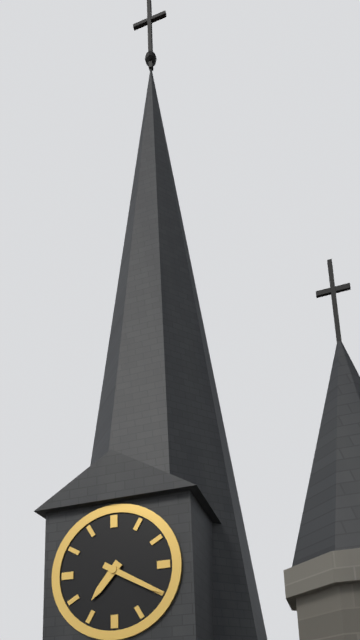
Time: **7:20**
